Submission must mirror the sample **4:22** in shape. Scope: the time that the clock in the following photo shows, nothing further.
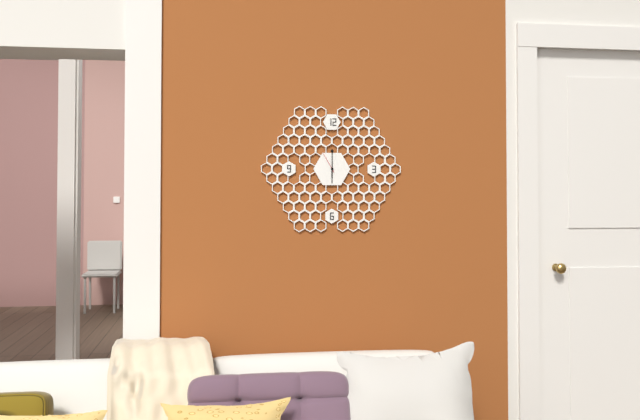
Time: **6:00**
